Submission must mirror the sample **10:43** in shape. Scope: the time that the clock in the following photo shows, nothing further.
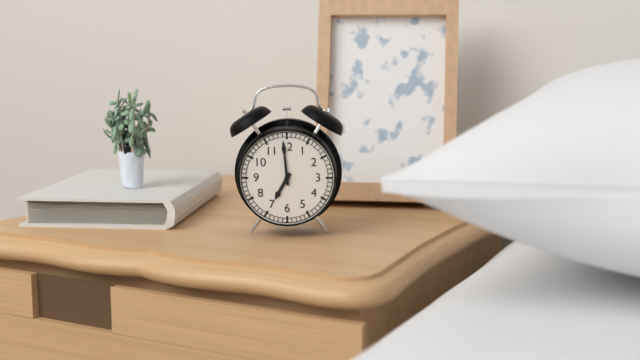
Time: **6:59**
